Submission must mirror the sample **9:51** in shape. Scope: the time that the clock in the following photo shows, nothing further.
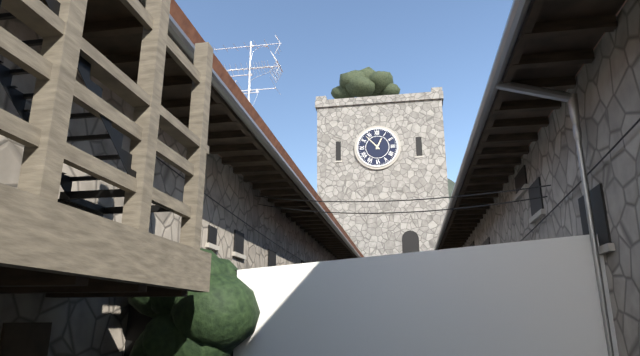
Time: **12:53**
